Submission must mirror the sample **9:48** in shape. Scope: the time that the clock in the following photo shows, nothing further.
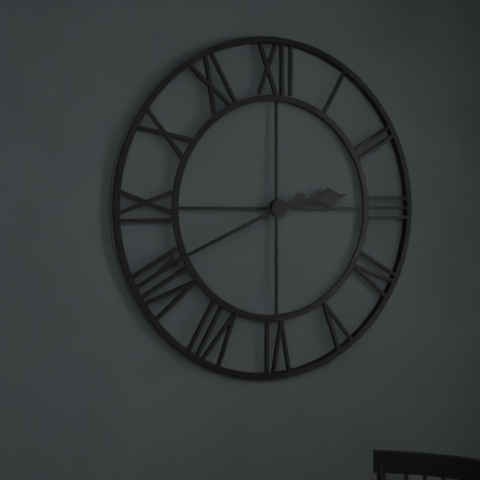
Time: **2:41**
